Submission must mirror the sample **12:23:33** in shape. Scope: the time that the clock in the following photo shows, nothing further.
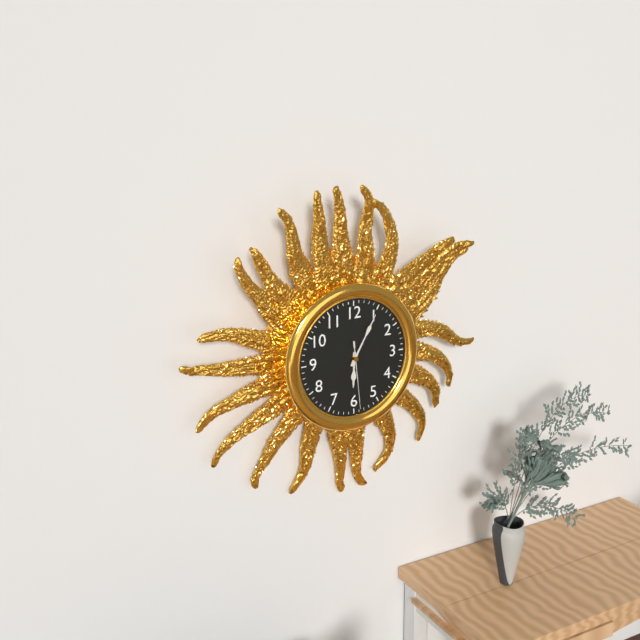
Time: **6:05:29**
